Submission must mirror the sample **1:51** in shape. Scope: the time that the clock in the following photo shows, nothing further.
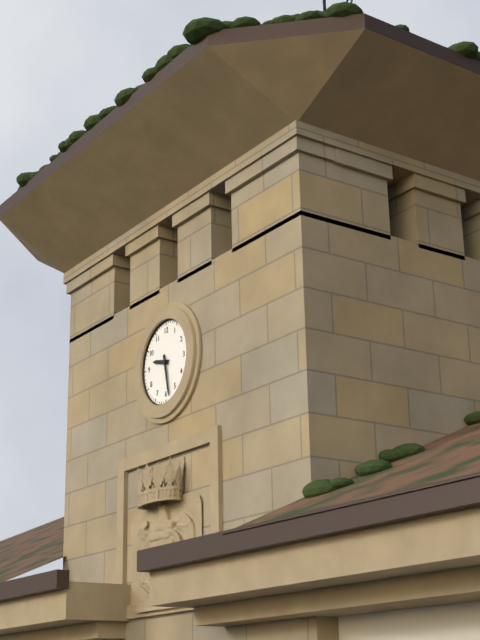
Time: **9:28**
